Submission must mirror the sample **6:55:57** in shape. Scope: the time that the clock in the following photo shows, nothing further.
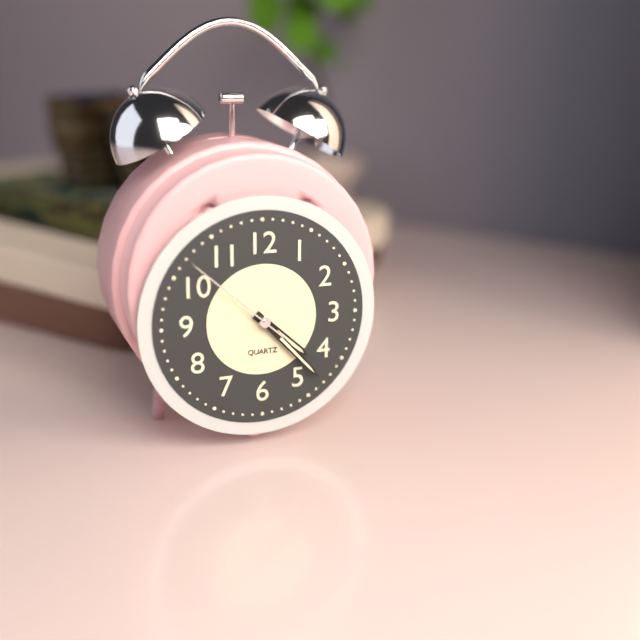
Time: **4:23:52**
